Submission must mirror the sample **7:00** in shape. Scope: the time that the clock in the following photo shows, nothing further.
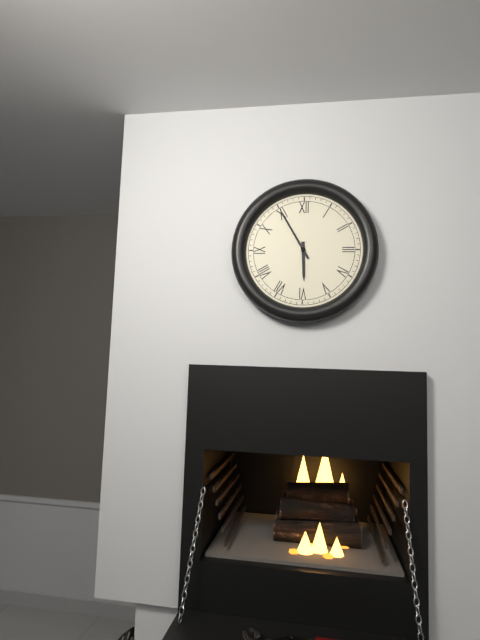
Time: **5:55**
